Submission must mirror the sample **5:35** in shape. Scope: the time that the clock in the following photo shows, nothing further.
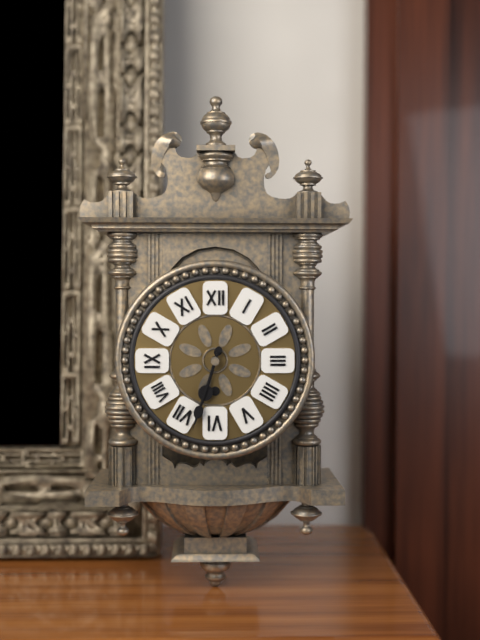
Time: **6:33**
